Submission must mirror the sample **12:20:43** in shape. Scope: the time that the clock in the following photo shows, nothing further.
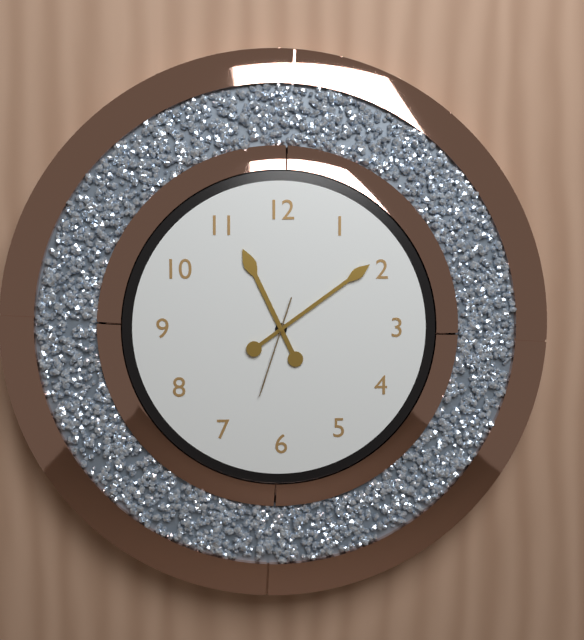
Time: **11:09:33**
